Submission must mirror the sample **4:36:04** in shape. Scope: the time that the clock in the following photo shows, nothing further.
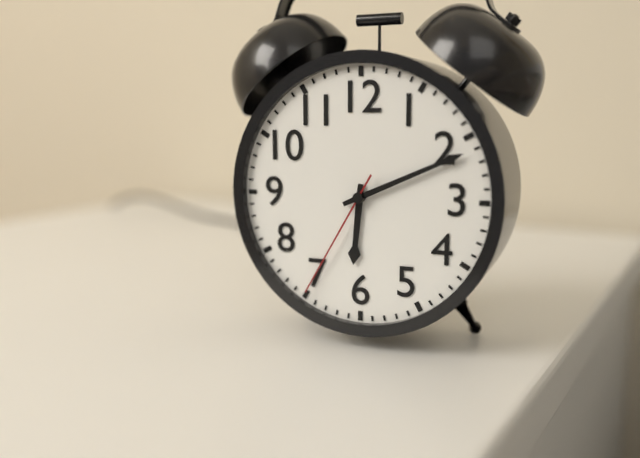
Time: **6:11:35**
